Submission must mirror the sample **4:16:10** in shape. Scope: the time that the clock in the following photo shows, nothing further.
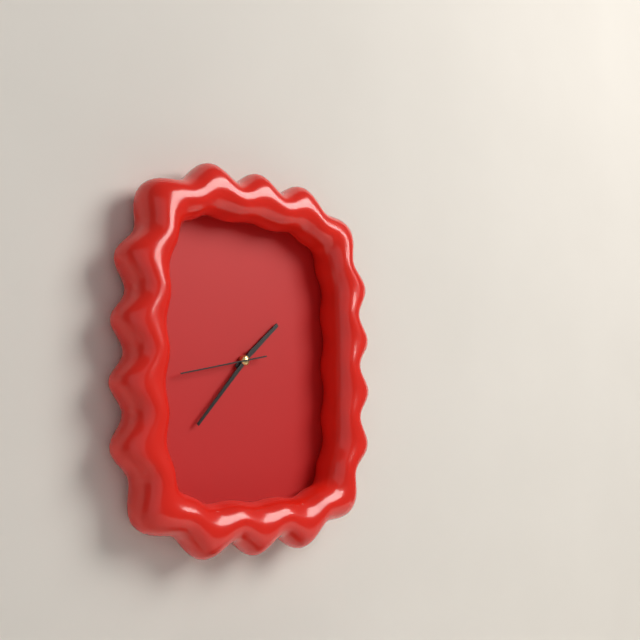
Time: **1:37:43**
